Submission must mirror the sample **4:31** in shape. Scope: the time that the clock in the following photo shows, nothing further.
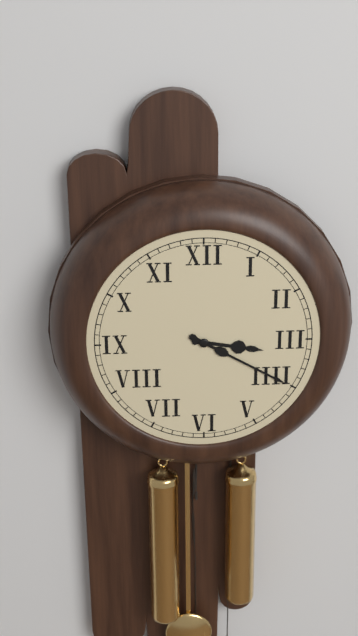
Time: **3:20**
